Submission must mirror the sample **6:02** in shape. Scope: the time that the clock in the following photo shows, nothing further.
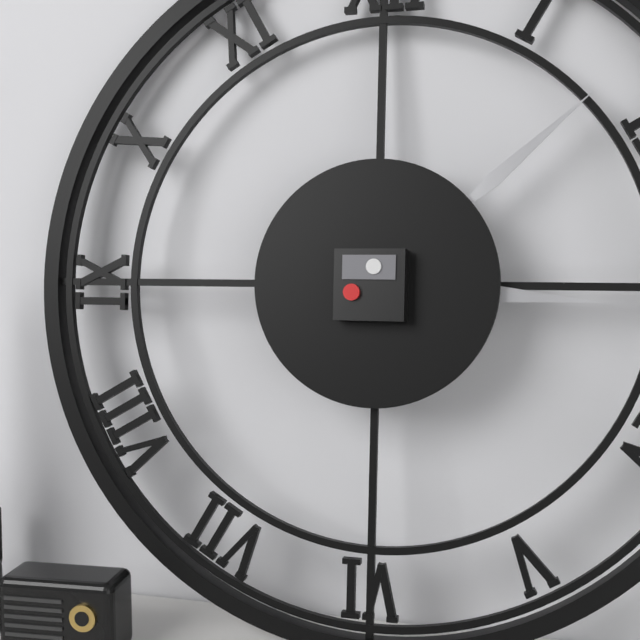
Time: **3:08**
